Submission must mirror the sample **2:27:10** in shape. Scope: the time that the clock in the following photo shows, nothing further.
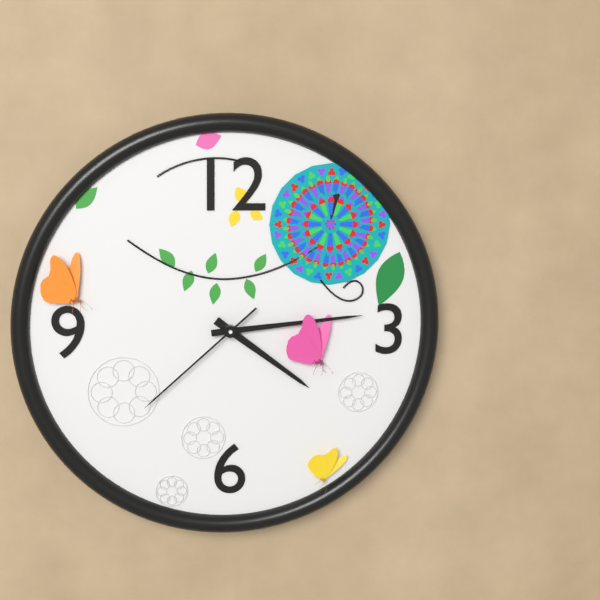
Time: **4:14:38**
